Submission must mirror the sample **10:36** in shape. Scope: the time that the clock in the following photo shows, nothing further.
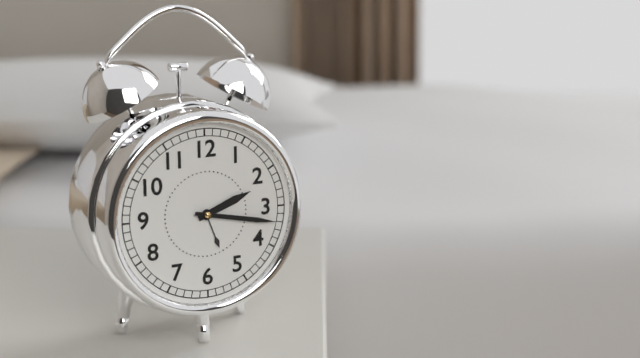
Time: **2:17**
